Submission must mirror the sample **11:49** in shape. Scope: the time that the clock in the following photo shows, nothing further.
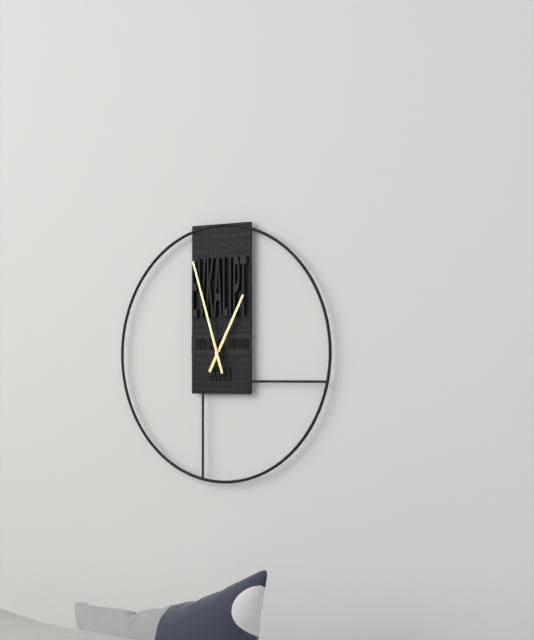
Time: **12:57**
